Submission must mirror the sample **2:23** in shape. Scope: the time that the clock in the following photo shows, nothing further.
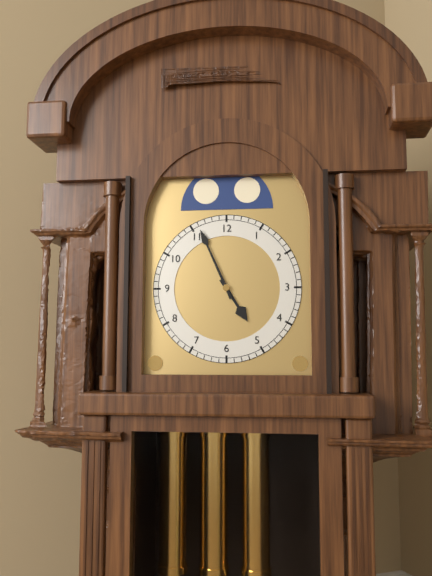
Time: **4:56**
